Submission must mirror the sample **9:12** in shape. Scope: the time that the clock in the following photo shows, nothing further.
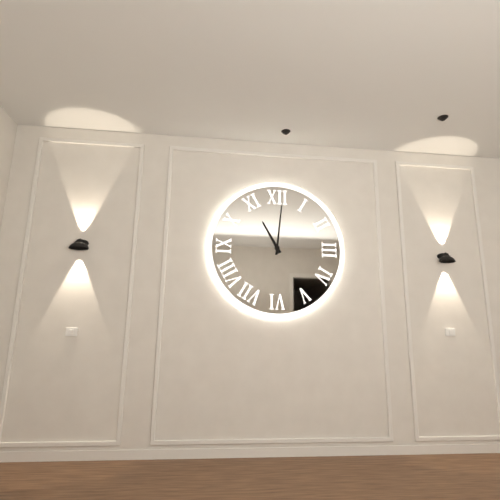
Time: **11:01**
